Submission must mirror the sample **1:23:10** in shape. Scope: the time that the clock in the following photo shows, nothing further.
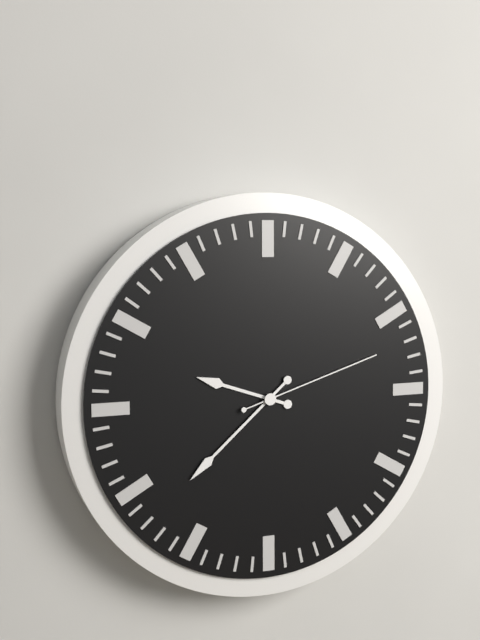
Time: **9:38:12**
